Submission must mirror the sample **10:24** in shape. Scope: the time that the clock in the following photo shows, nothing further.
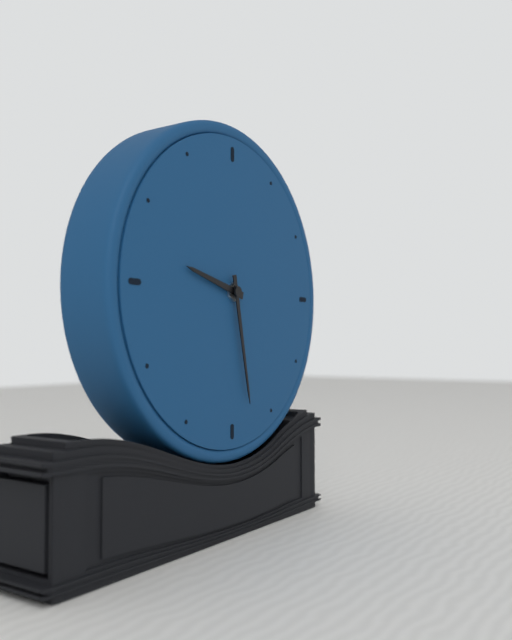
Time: **9:28**
